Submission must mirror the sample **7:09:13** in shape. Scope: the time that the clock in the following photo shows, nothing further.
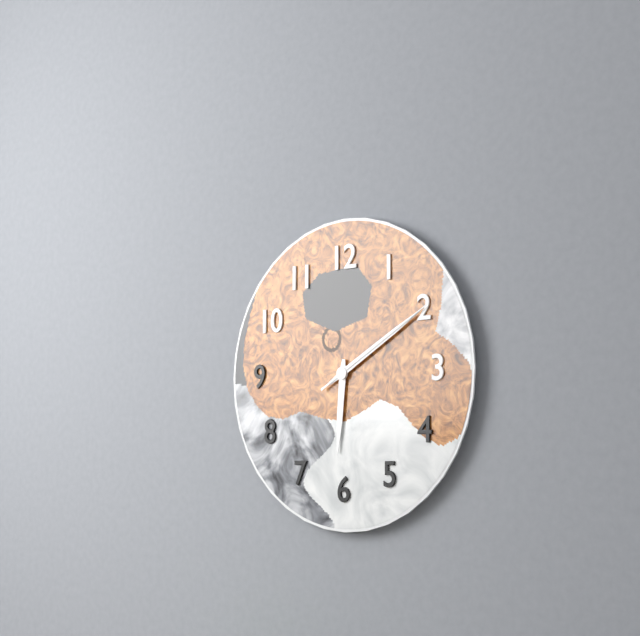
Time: **6:10:10**
